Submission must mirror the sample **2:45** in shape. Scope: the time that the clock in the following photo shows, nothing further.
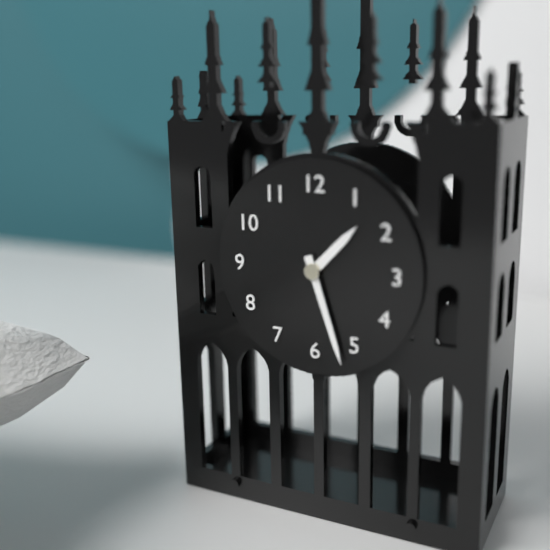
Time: **1:27**
